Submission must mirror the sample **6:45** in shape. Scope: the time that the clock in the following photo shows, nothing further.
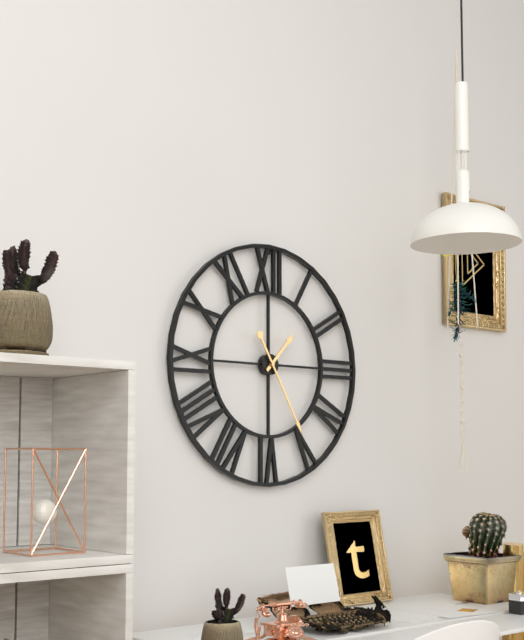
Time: **1:25**
